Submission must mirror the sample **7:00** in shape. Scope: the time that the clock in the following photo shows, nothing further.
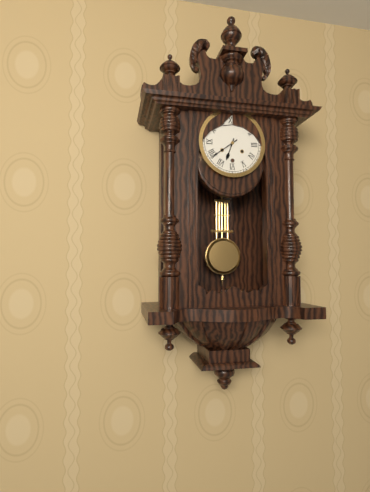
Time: **6:39**
